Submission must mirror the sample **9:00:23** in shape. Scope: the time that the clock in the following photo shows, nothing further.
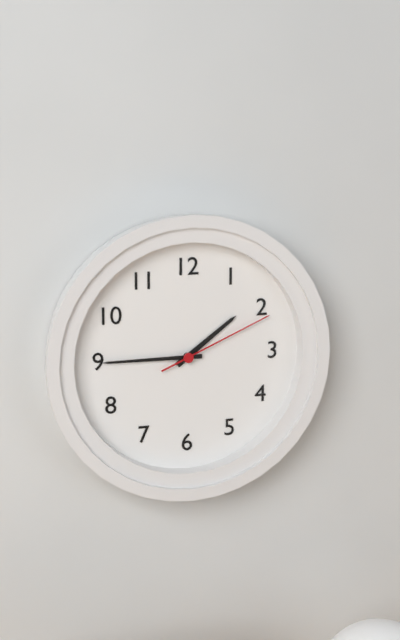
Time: **1:45:11**
